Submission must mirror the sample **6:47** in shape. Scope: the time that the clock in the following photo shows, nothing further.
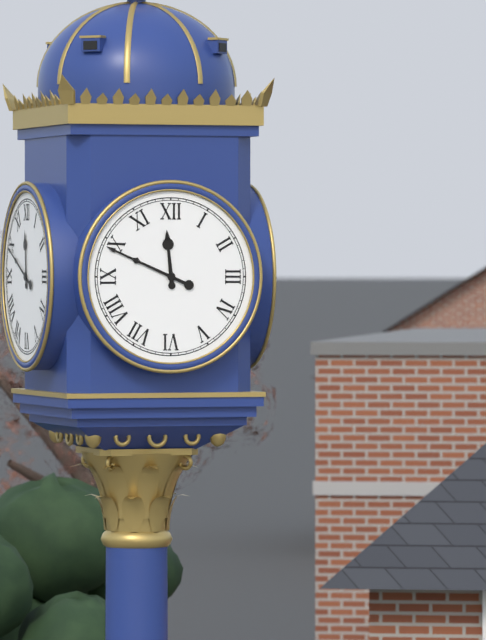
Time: **11:49**
